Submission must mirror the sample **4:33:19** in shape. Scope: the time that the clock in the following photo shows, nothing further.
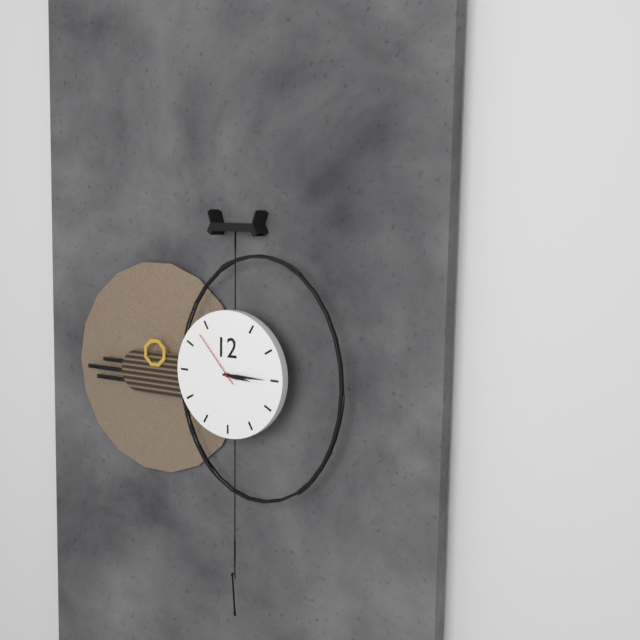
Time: **3:15:53**
